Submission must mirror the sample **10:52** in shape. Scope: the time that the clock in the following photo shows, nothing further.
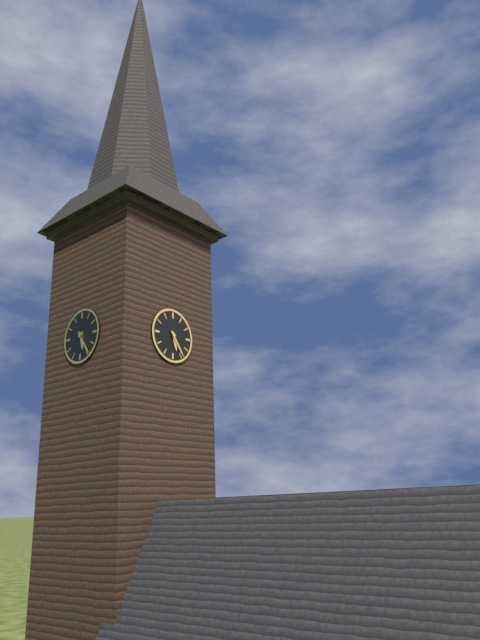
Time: **5:24**
